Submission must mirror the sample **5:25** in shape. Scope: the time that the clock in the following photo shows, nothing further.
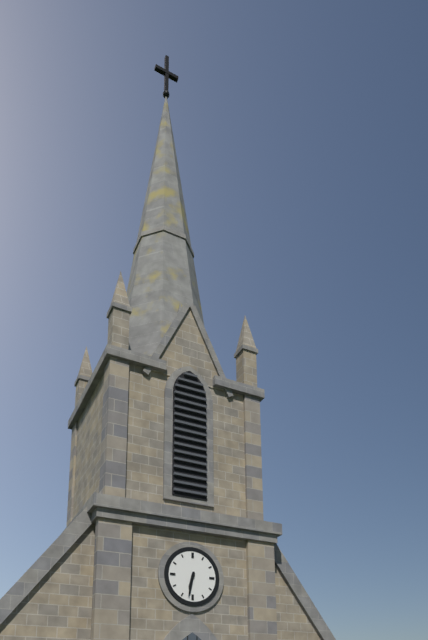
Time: **6:32**
